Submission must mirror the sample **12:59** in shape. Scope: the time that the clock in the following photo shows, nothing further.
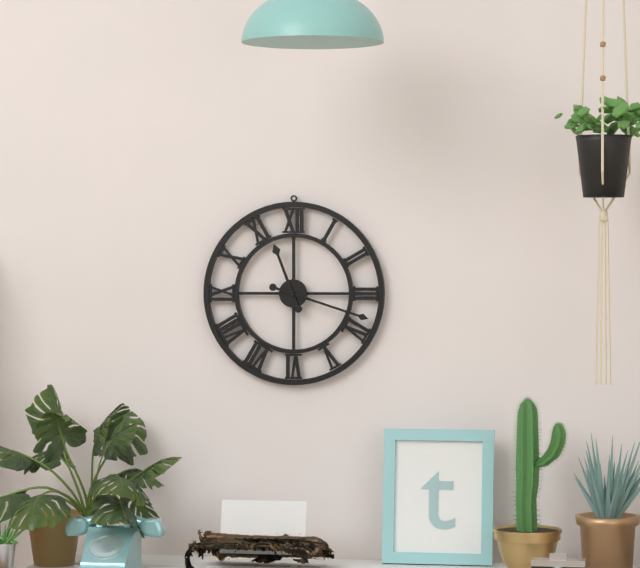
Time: **11:18**
